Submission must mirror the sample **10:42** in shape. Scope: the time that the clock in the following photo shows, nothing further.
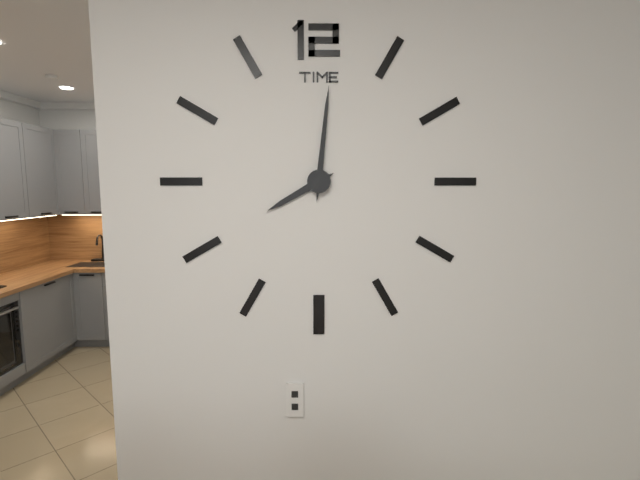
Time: **8:01**
